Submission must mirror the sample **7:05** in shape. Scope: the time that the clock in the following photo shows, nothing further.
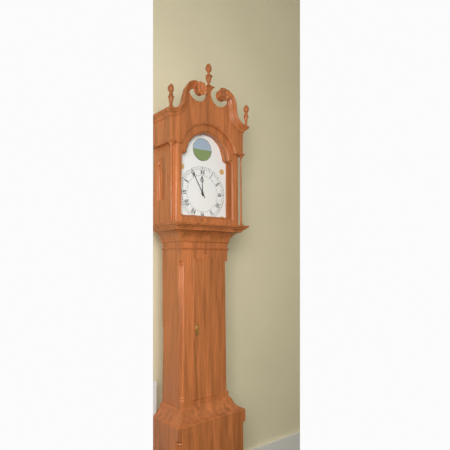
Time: **11:55**
